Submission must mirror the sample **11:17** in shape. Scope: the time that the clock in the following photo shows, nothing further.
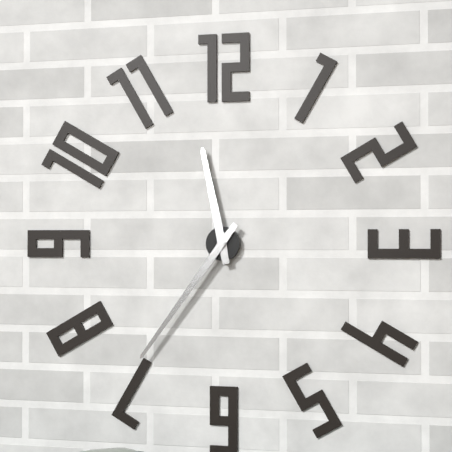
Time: **11:36**
